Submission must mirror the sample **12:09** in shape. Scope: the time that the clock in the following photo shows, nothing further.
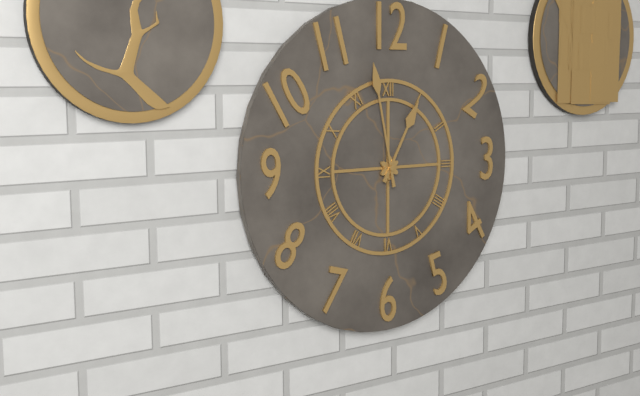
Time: **12:58**
